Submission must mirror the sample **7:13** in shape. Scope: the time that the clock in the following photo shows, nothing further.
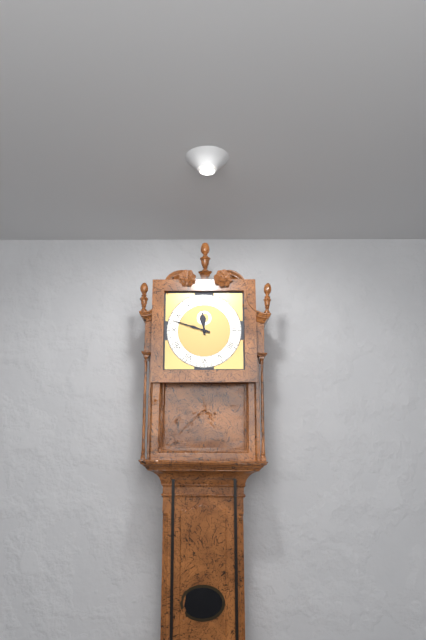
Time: **11:48**
